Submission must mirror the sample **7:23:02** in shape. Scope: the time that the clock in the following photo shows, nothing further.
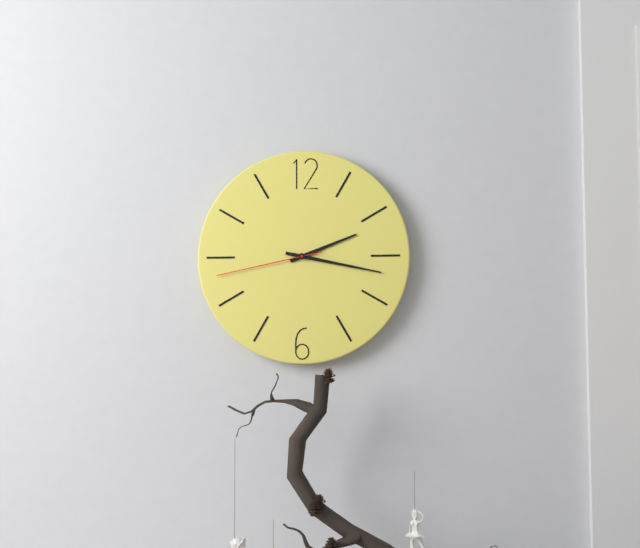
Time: **2:17:43**
